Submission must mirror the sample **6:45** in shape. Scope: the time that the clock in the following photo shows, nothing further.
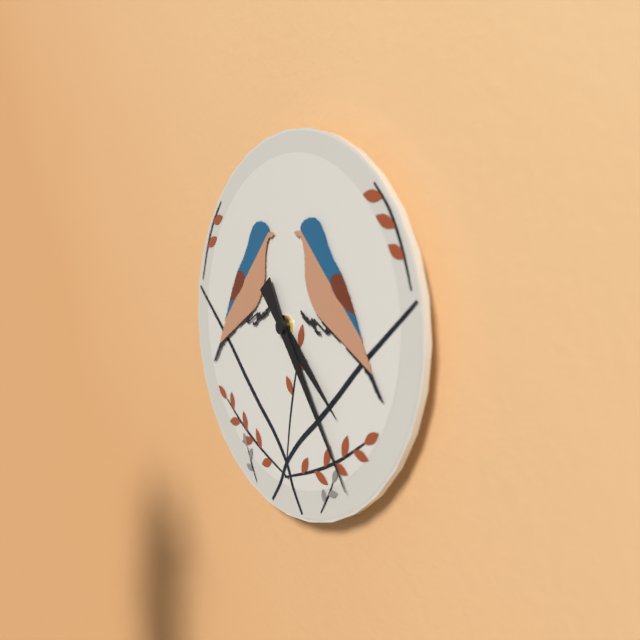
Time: **4:24**
